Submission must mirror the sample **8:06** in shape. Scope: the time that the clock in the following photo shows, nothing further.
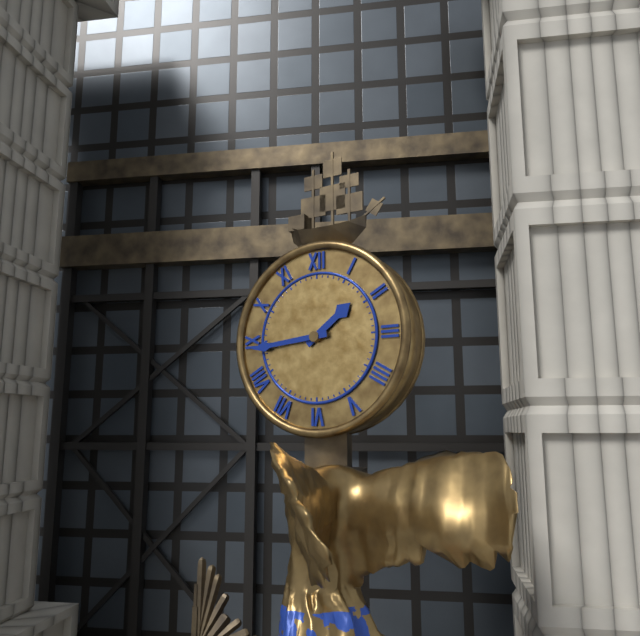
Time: **1:44**
